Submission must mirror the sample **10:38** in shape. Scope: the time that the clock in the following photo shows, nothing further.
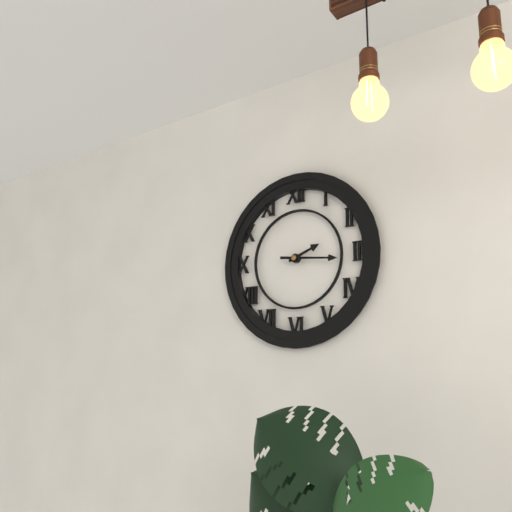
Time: **2:16**
